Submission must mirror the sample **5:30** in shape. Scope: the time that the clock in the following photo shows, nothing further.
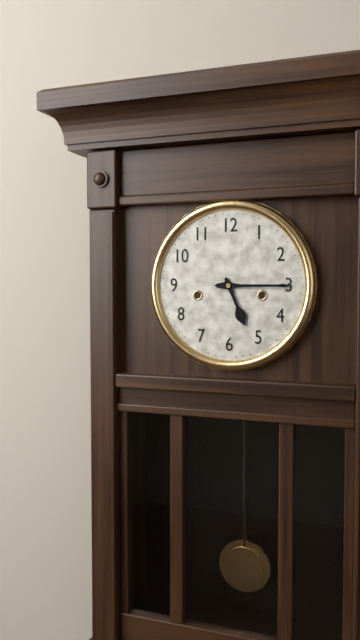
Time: **5:15**
